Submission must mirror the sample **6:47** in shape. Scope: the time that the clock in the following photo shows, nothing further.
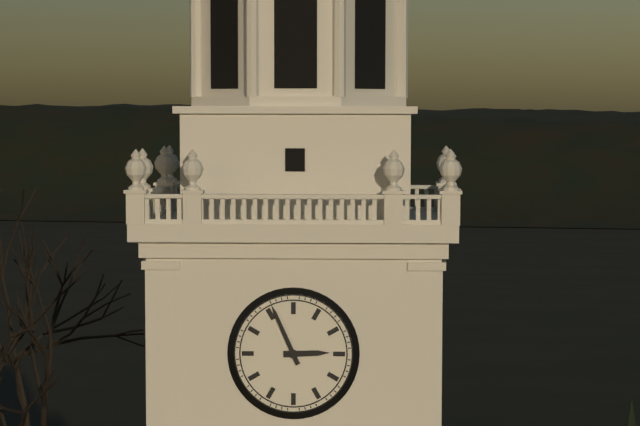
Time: **2:56**
